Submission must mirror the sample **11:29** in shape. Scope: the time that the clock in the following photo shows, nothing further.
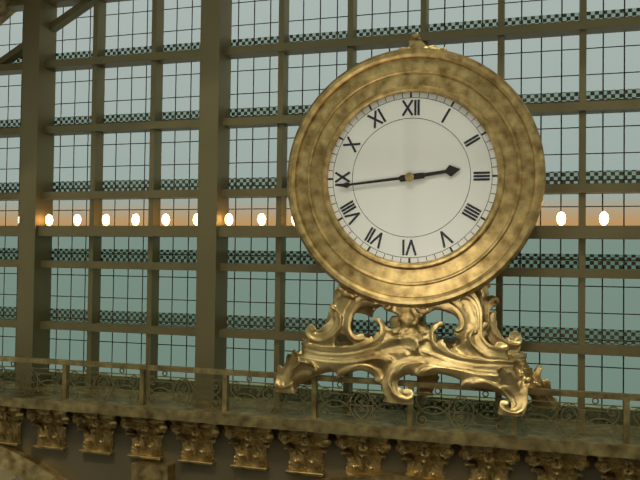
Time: **2:44**
